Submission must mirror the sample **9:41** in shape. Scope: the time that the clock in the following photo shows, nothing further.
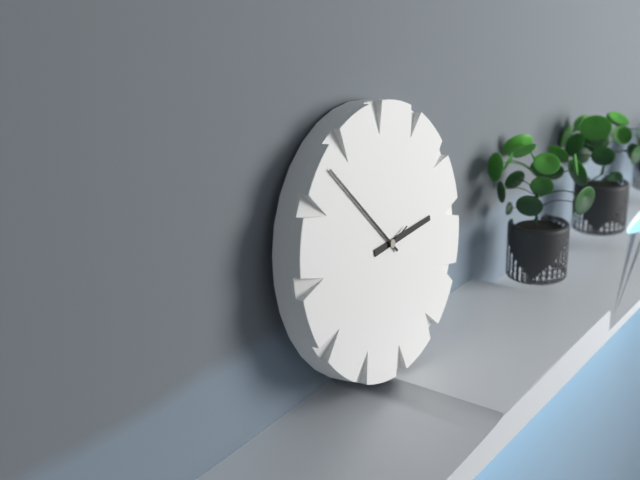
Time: **2:53**
